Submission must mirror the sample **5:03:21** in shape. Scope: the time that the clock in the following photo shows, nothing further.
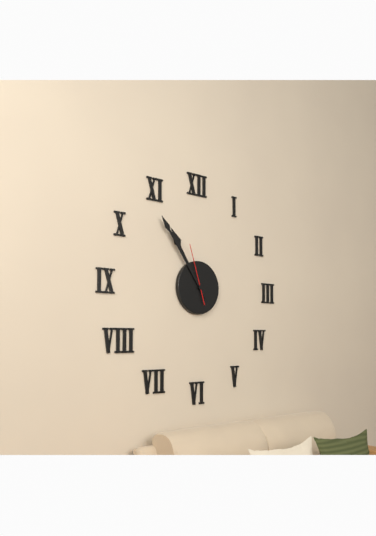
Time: **10:54:57**
